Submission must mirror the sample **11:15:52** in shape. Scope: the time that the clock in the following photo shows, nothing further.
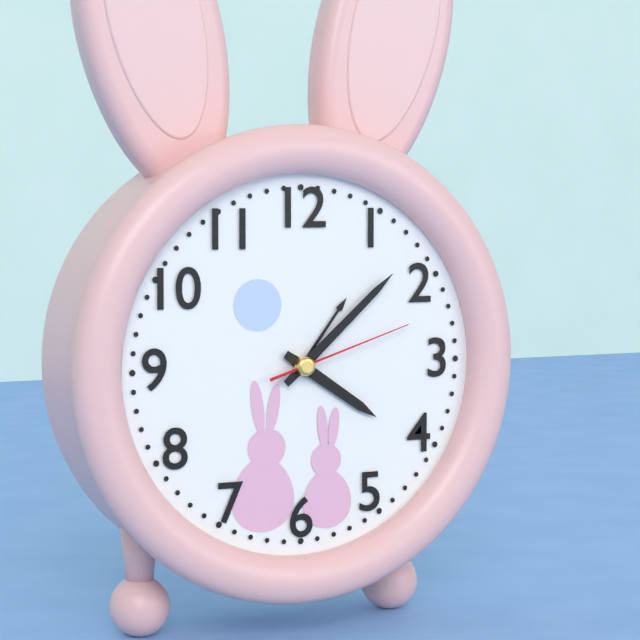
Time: **4:08:12**
